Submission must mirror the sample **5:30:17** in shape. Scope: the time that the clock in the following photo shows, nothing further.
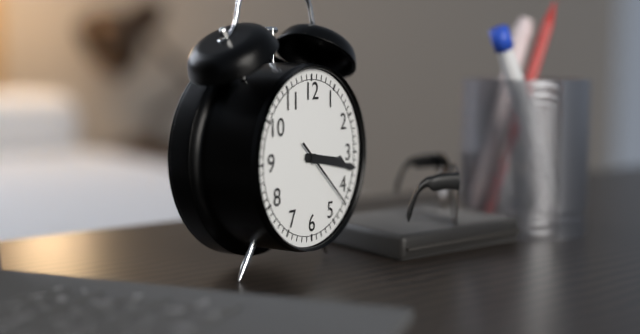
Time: **3:17:22**
